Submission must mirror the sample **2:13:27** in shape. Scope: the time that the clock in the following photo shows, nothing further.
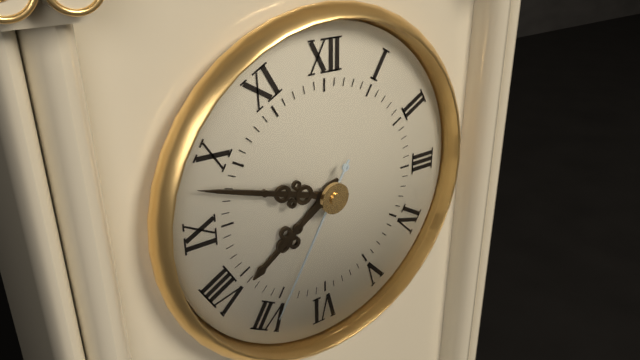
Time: **7:48:35**
